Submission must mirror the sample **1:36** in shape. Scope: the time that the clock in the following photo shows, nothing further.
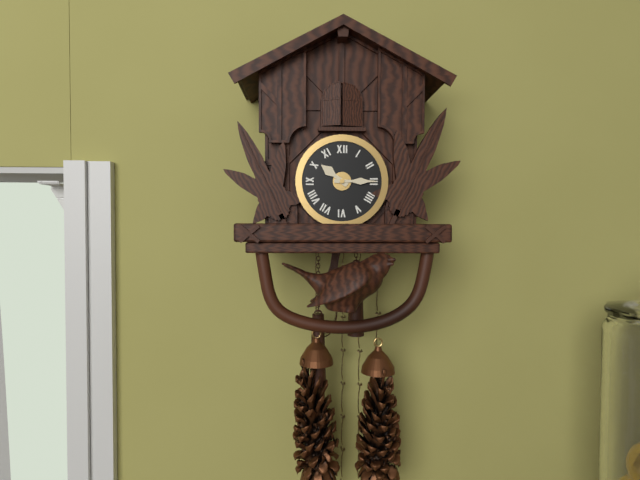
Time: **10:15**
